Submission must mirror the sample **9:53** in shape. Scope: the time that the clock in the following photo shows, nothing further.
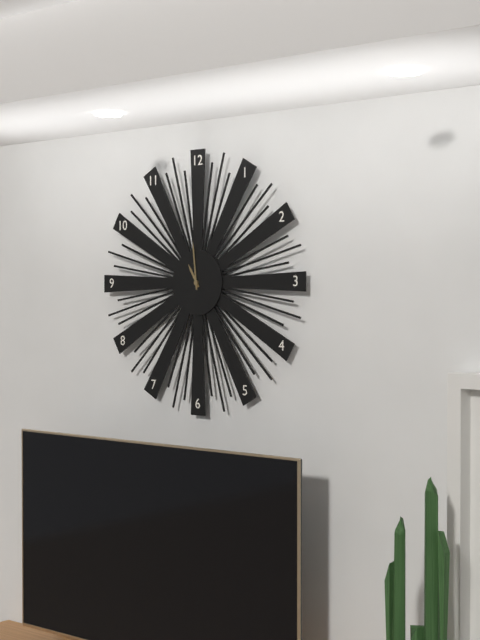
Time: **10:59**
